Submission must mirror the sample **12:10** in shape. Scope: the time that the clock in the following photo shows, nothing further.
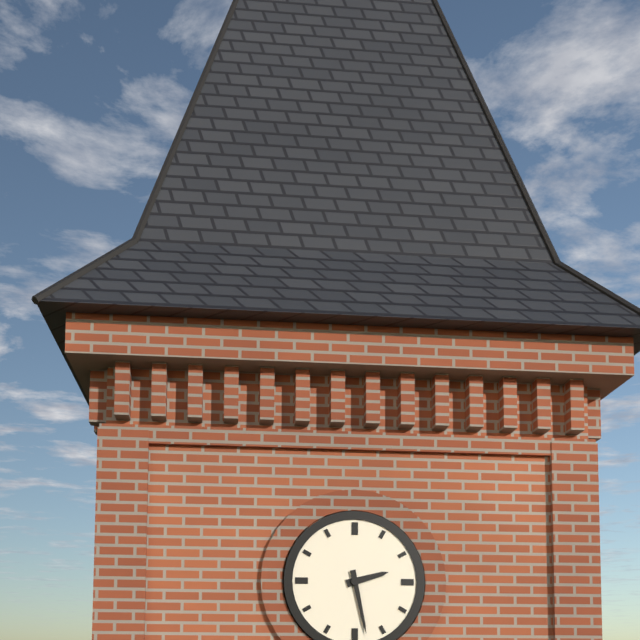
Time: **2:28**
